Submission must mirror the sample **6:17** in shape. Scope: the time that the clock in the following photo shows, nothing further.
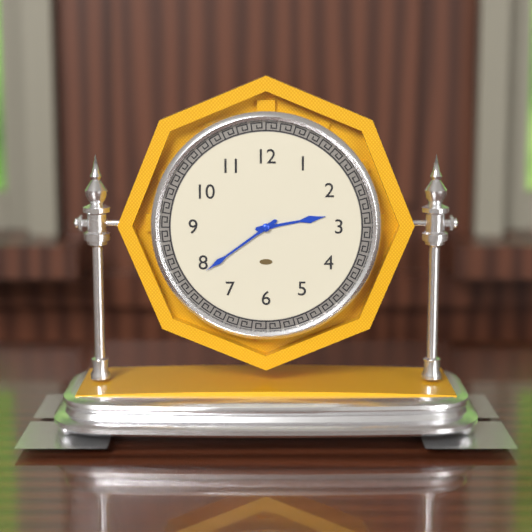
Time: **2:39**
